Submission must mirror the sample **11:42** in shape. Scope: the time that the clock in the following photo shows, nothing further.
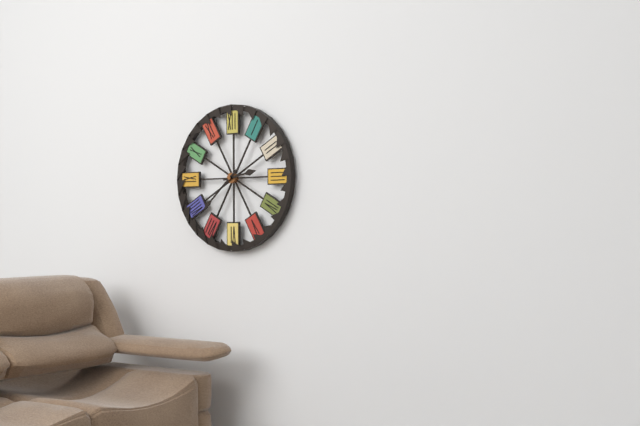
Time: **2:38**
